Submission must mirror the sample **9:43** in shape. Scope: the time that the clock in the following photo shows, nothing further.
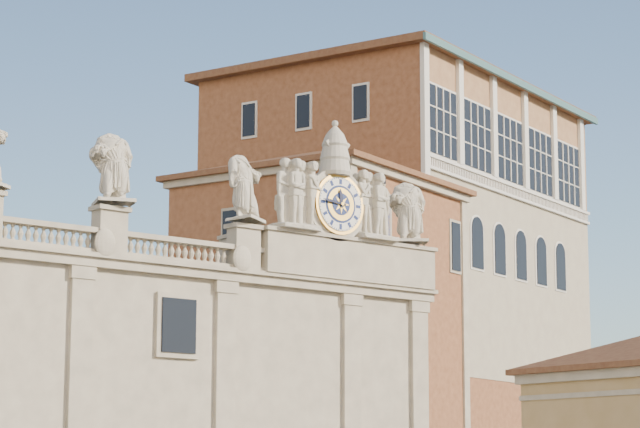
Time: **11:46**
